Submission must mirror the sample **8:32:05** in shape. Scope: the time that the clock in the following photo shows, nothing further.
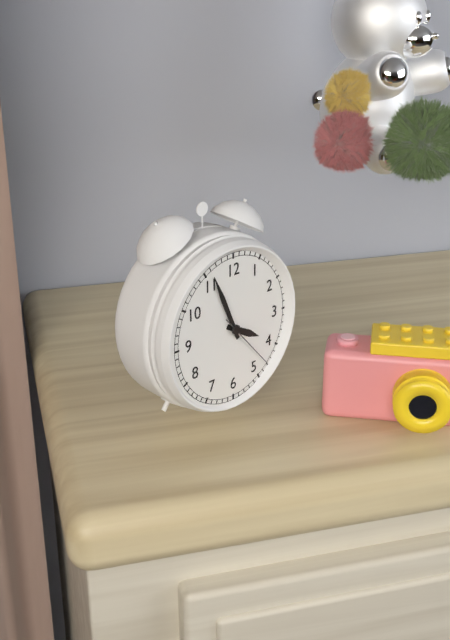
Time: **3:56:23**
